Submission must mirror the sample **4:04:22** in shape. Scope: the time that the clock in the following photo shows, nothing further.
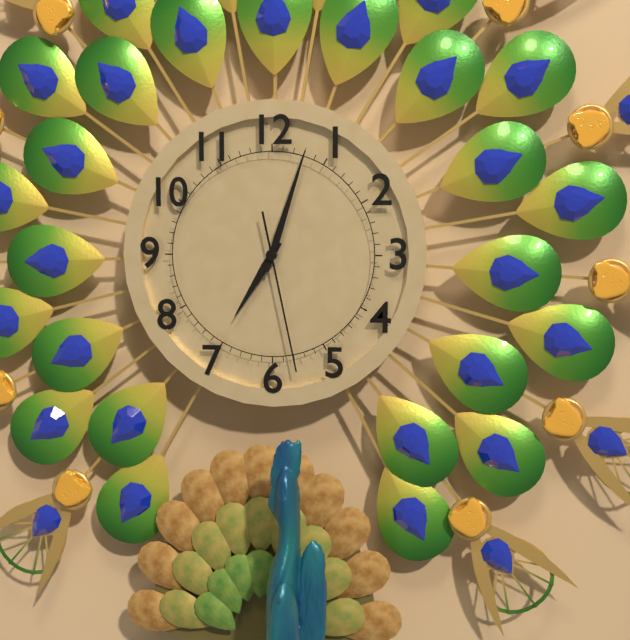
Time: **7:03:28**
